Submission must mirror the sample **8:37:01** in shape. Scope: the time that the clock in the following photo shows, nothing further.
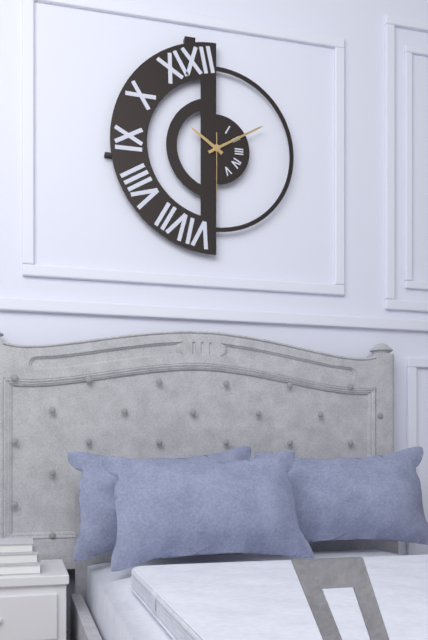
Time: **10:10:30**
